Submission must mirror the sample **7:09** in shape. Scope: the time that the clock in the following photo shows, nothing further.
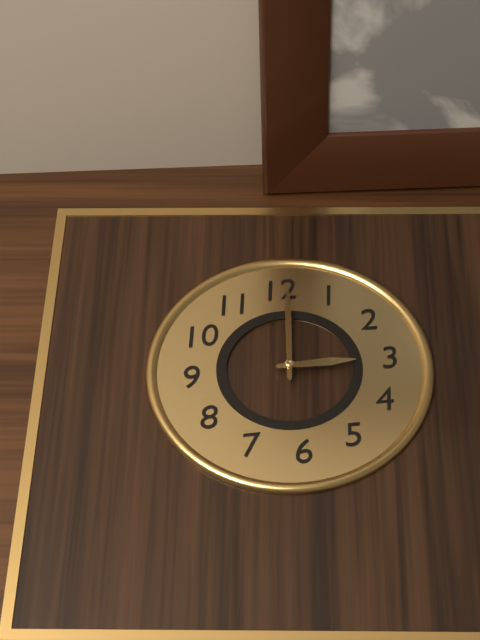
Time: **3:01**
